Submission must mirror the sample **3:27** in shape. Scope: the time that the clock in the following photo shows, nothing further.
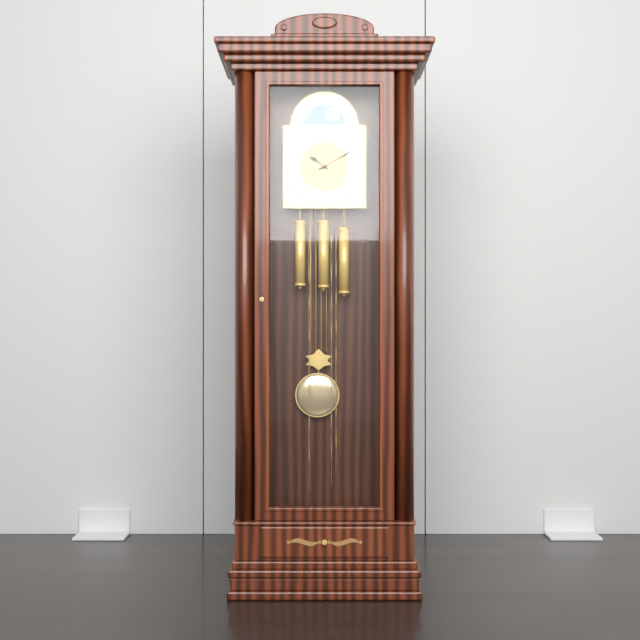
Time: **10:10**
